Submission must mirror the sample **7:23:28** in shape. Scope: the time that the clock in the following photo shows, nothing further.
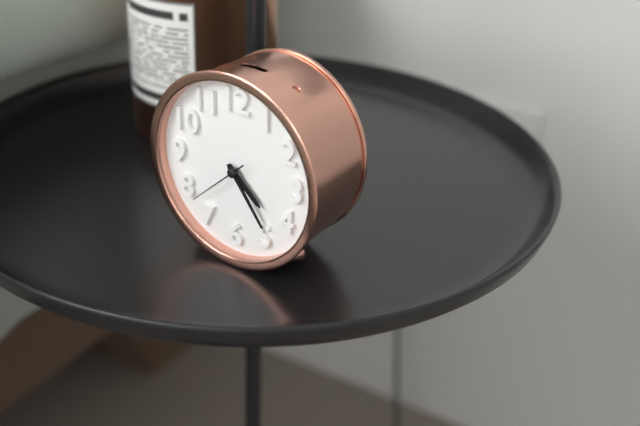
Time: **4:24:38**
